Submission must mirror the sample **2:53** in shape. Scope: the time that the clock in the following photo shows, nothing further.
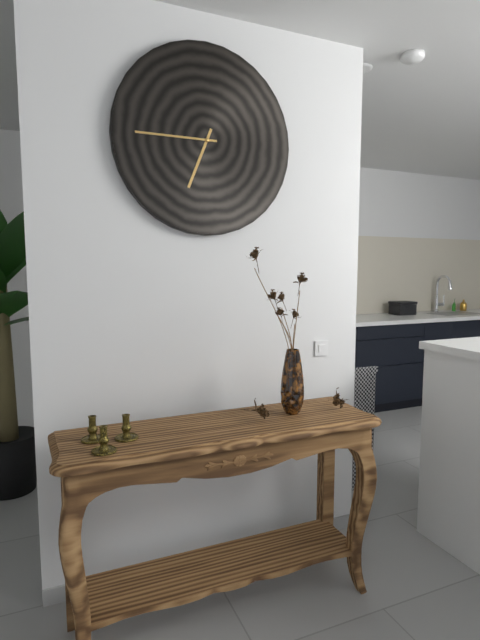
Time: **6:45**
